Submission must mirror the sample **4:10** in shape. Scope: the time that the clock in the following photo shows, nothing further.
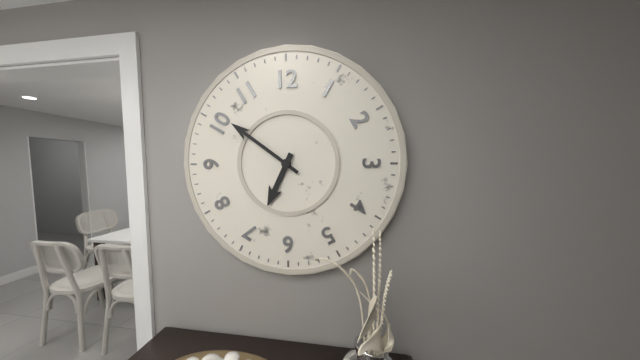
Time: **6:51**
